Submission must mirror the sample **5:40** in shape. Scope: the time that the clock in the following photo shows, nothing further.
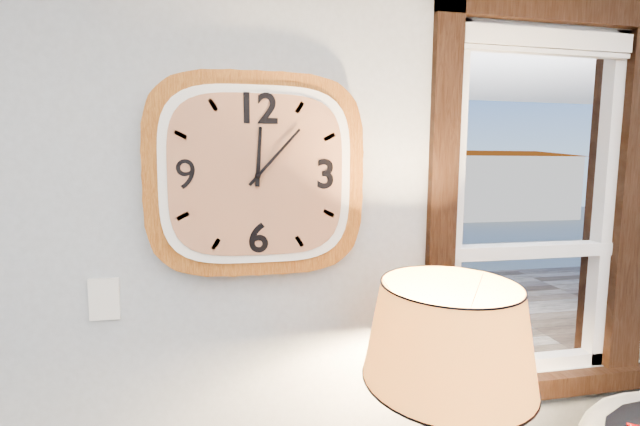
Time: **12:07**
